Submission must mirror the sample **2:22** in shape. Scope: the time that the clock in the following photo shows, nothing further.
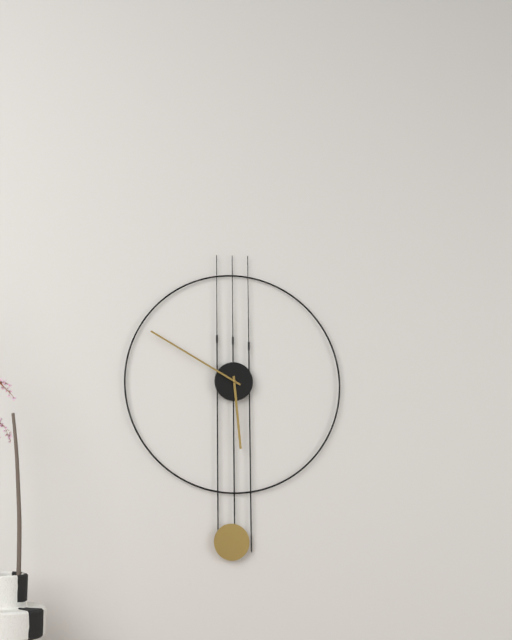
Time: **5:50**
